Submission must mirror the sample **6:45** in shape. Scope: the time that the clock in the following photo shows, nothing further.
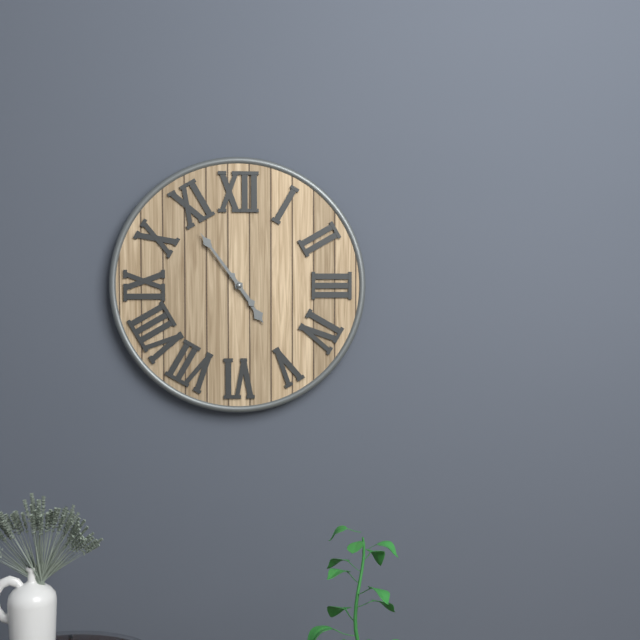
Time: **4:54**
